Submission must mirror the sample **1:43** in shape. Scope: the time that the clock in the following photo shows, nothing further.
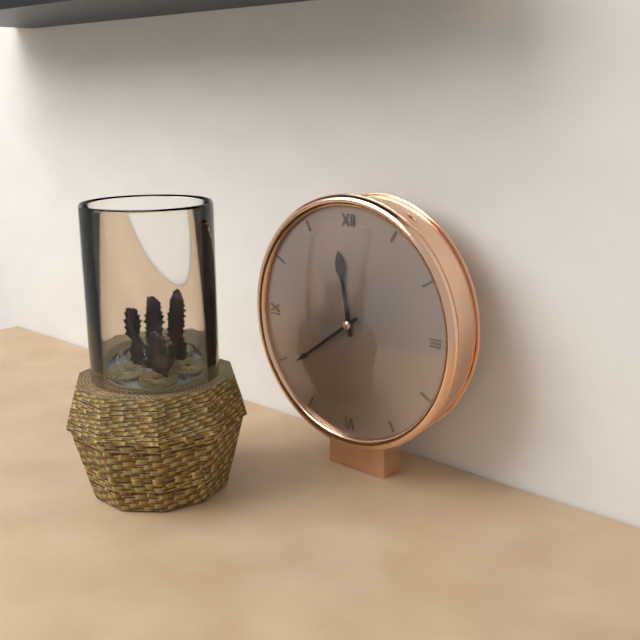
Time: **11:39**
